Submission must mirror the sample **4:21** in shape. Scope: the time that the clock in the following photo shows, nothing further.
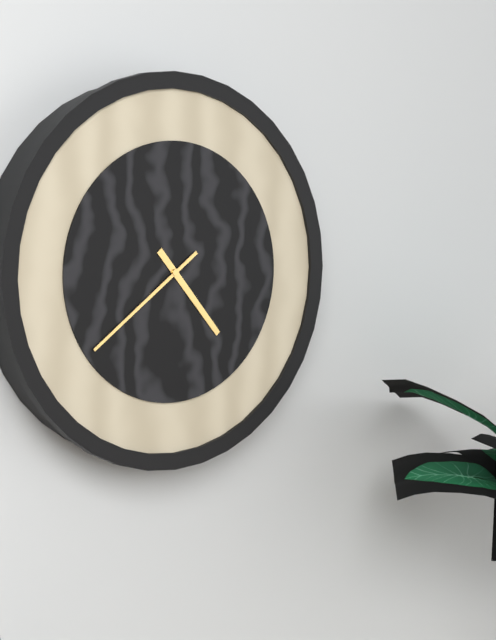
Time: **4:39**
